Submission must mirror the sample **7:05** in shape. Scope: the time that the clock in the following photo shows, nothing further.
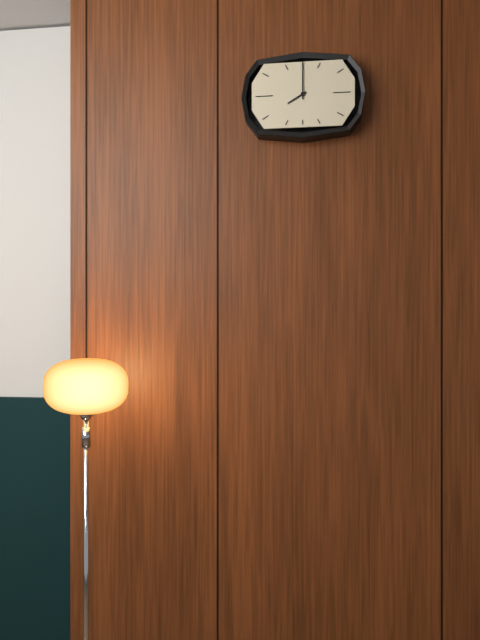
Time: **8:00**
